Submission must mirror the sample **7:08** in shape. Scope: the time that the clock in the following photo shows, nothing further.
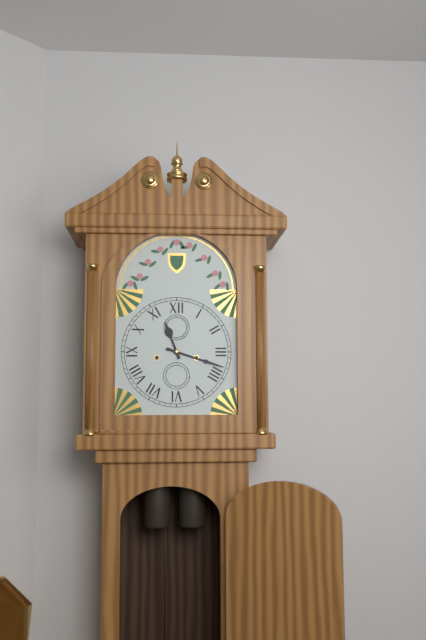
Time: **11:18**
